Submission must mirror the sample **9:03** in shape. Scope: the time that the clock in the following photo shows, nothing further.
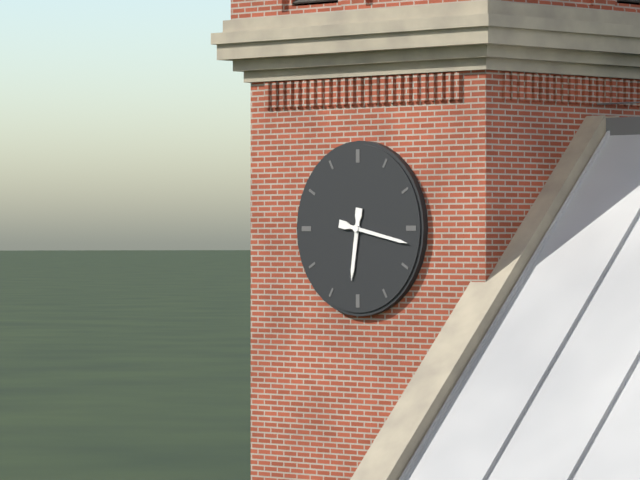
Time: **6:17**
